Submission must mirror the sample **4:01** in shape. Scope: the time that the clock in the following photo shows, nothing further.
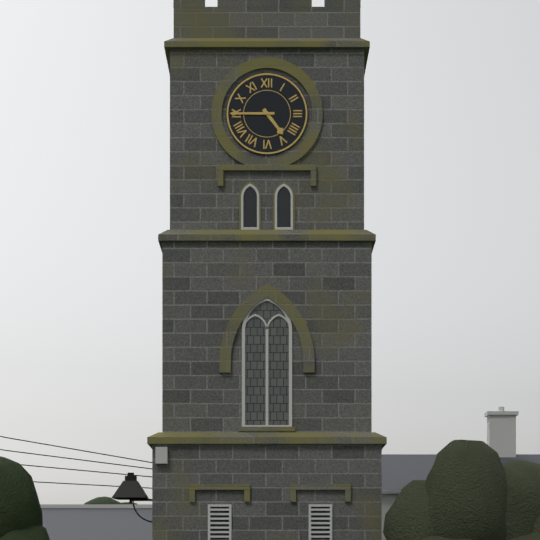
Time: **4:45**
